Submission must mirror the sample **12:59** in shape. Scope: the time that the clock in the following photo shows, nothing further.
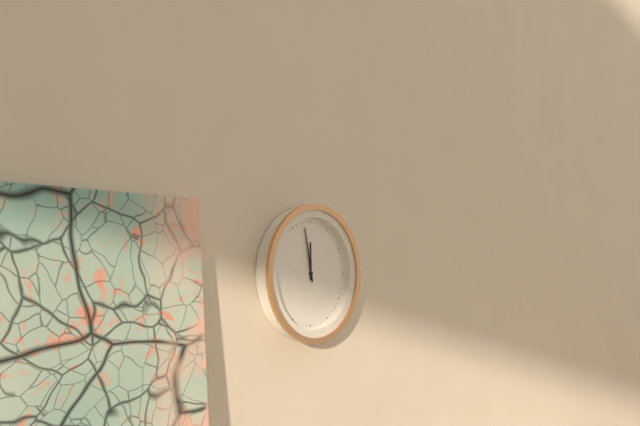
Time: **11:58**
